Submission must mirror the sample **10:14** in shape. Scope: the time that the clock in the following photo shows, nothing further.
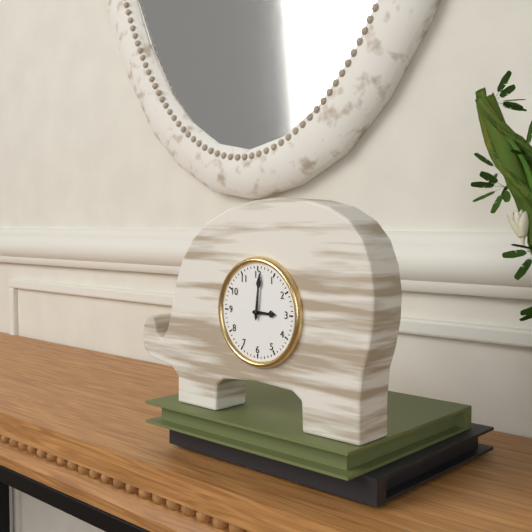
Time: **3:01**
